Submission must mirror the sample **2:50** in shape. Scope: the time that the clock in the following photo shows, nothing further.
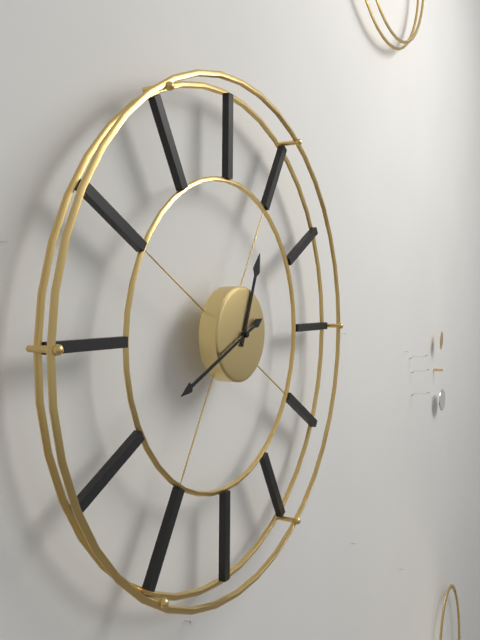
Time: **12:41**
